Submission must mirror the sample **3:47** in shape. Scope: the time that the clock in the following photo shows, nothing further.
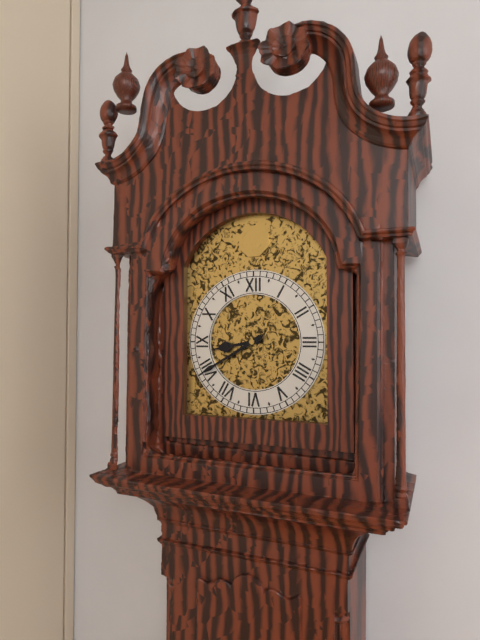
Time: **8:40**
